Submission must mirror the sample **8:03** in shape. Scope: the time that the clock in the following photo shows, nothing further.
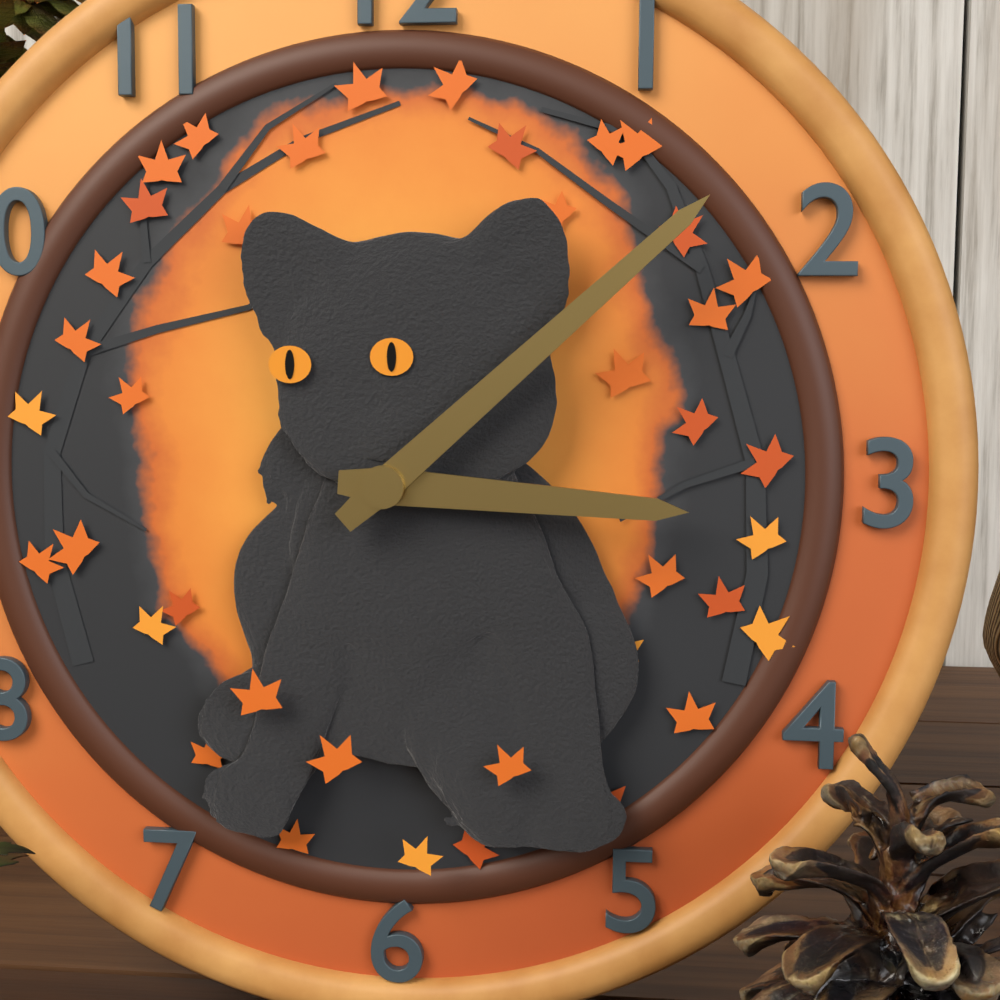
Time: **3:08**
